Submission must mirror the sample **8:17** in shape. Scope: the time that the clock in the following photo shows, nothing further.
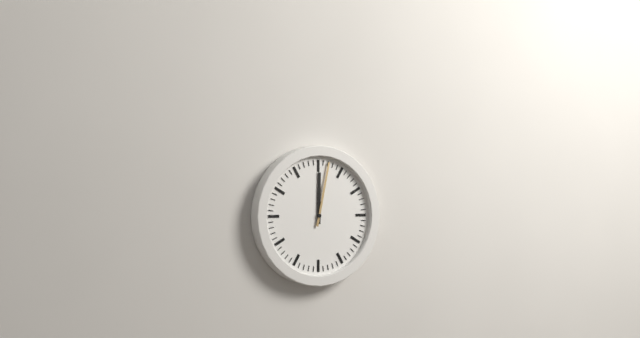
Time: **12:02**
